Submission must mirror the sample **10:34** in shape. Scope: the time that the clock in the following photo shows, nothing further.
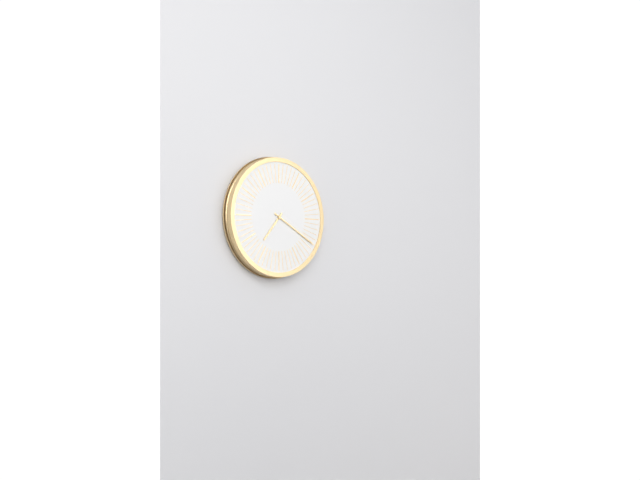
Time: **7:20**
